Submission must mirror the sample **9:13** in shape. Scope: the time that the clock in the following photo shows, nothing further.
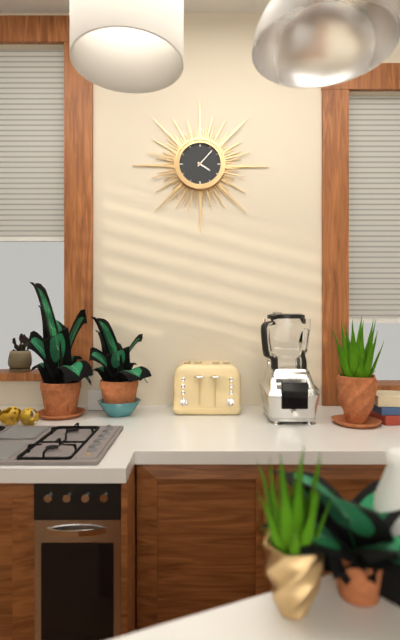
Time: **4:07**
